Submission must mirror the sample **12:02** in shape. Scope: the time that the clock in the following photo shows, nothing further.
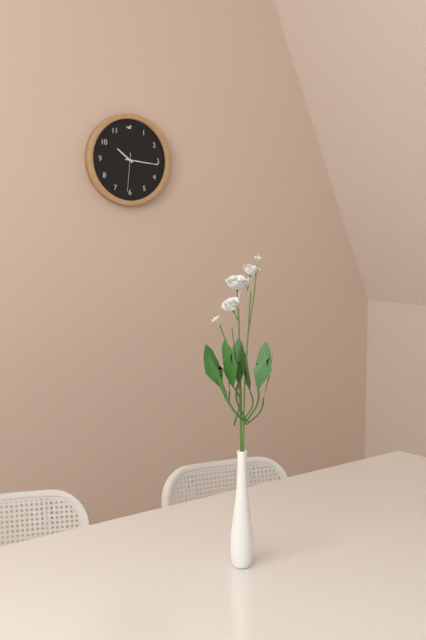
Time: **10:16**
